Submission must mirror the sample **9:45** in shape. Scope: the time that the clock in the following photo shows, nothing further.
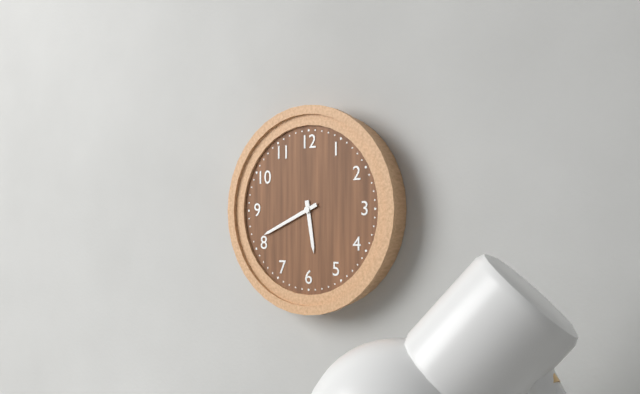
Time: **5:41**
